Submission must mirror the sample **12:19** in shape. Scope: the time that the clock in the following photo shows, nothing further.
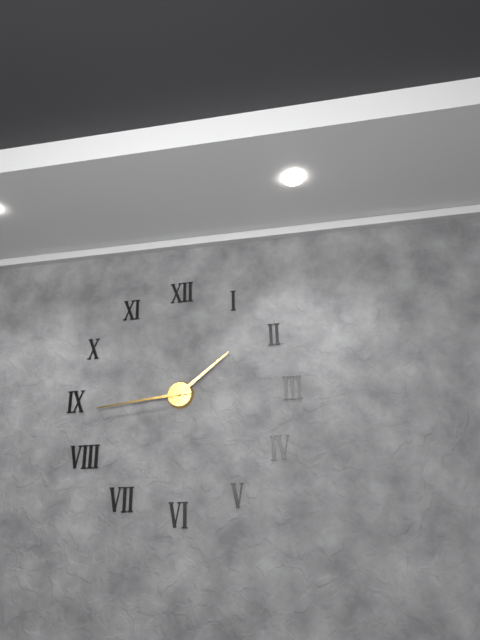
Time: **1:44**
